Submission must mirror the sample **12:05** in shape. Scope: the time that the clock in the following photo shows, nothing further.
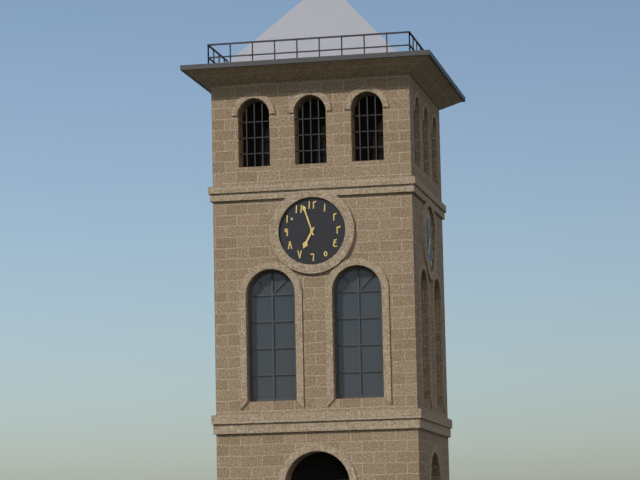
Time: **6:57**
